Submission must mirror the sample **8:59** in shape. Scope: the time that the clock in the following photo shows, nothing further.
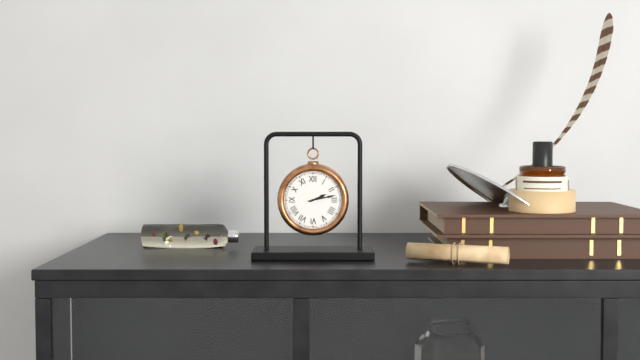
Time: **2:13**
